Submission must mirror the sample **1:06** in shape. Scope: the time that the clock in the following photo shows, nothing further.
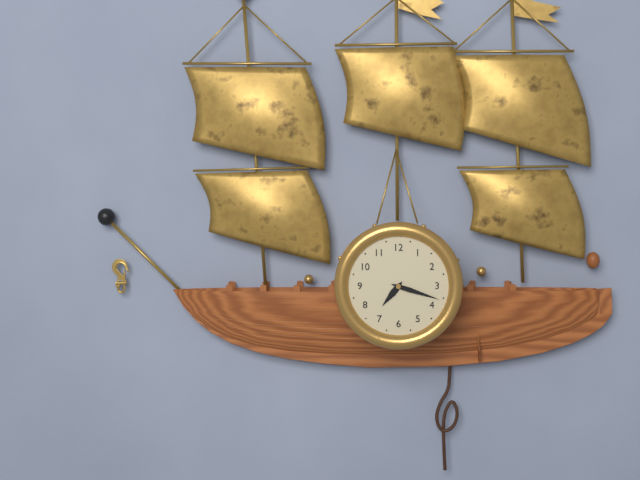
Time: **7:18**
